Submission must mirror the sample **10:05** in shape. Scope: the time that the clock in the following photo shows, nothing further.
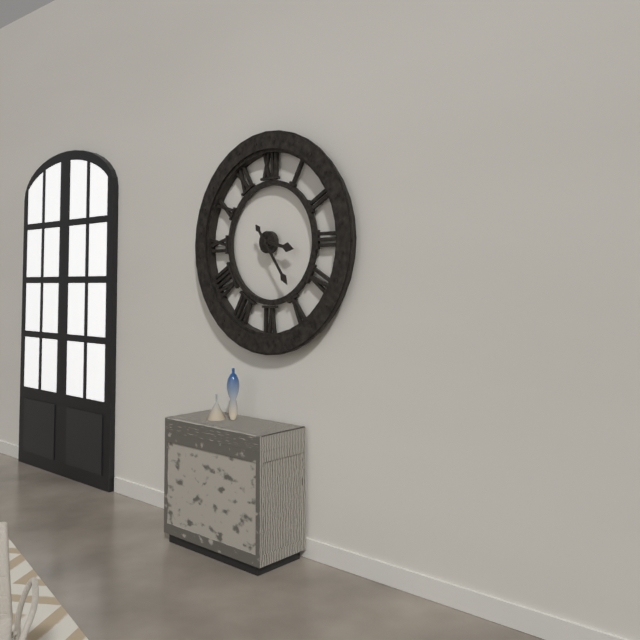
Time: **3:24**
